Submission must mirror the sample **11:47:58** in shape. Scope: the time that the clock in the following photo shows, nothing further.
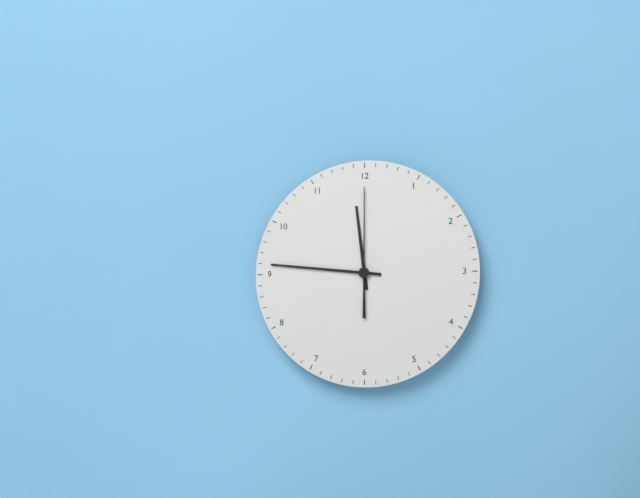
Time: **11:46:00**
